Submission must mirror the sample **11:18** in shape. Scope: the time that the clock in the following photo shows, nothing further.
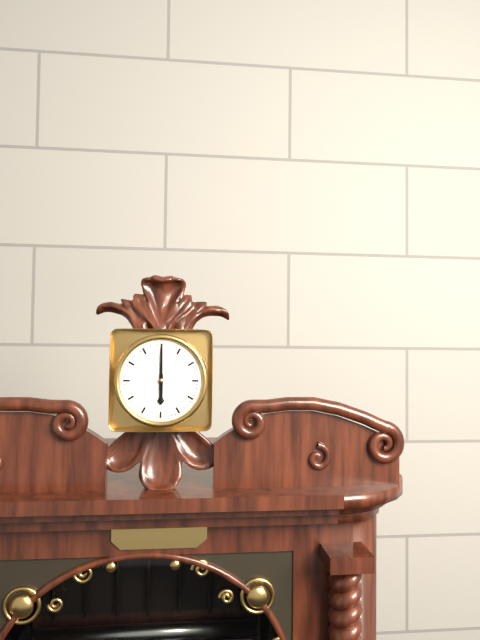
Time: **6:00**
